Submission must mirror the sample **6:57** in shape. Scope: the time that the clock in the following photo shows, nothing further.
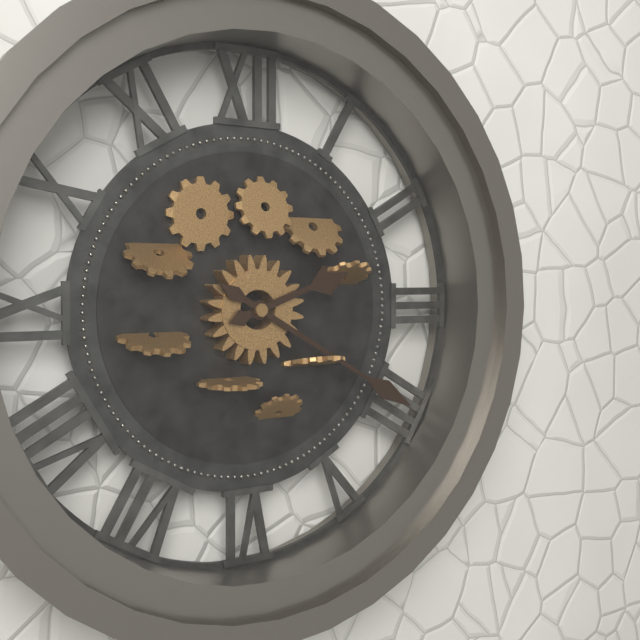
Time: **2:20**
